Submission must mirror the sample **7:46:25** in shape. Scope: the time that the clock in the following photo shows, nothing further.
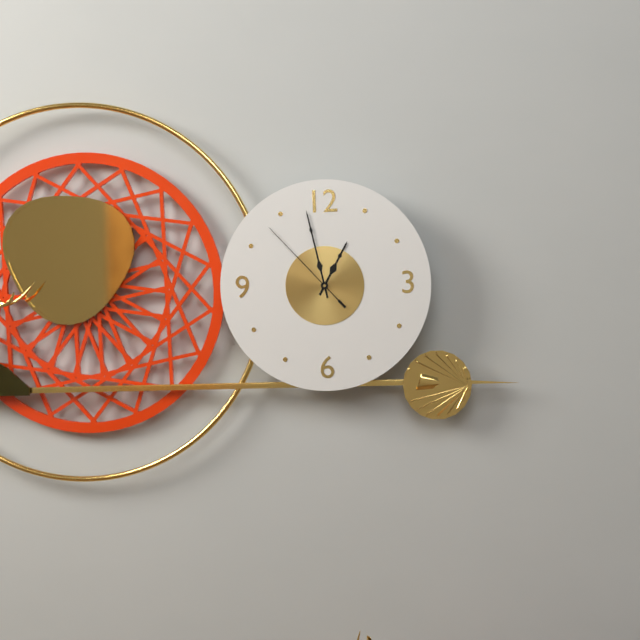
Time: **12:58:53**
